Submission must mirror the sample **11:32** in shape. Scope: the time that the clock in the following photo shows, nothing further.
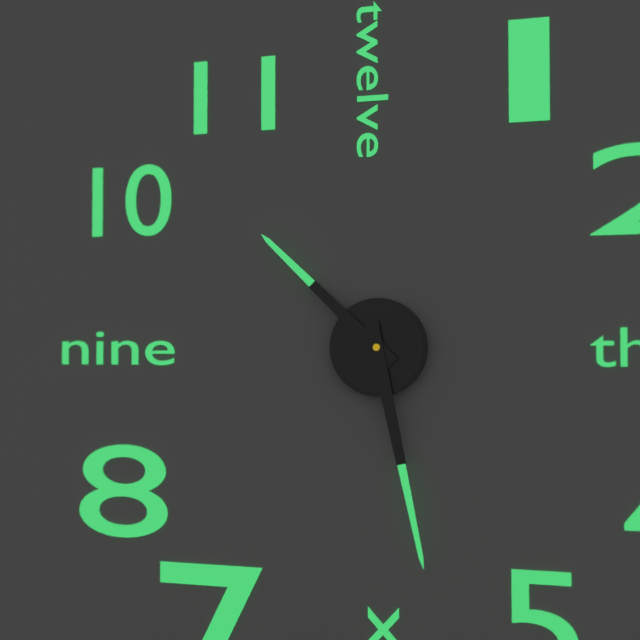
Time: **10:28**
